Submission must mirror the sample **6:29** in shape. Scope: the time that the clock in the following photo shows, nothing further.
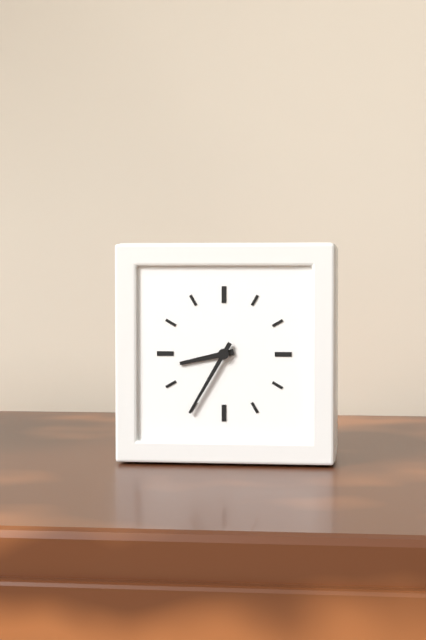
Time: **8:35**
